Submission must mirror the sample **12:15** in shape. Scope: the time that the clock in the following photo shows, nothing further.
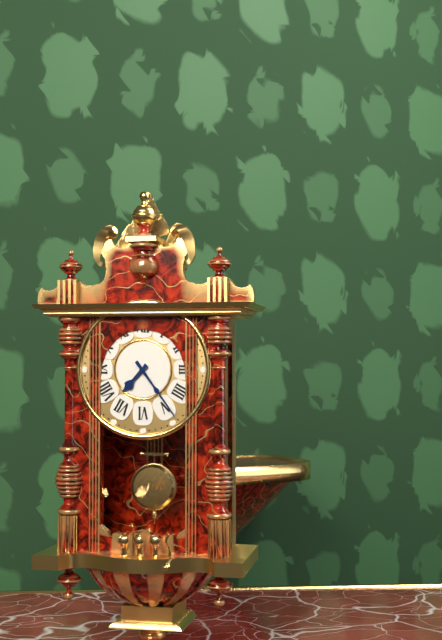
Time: **7:24**
